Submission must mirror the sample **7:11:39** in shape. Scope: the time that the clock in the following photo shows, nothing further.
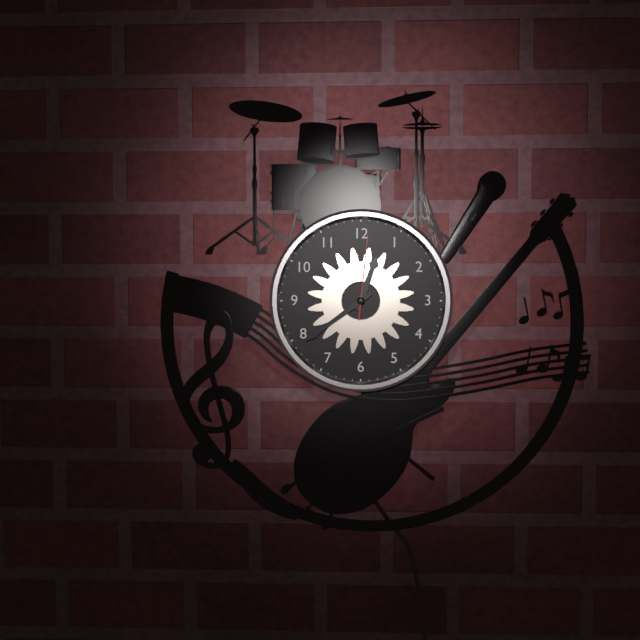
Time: **12:39:01**
